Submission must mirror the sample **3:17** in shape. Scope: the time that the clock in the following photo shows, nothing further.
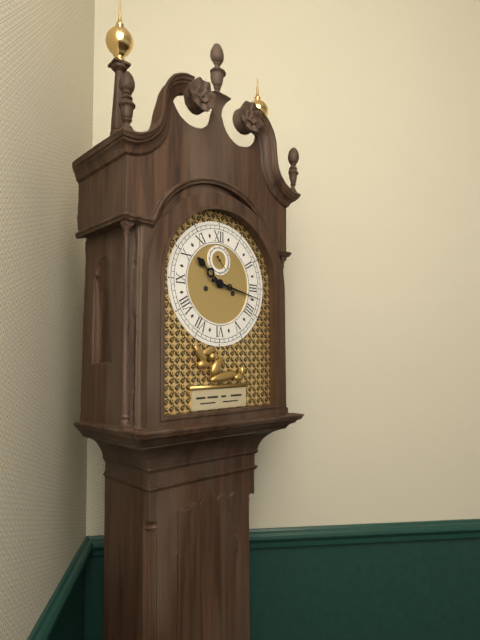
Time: **10:17**
